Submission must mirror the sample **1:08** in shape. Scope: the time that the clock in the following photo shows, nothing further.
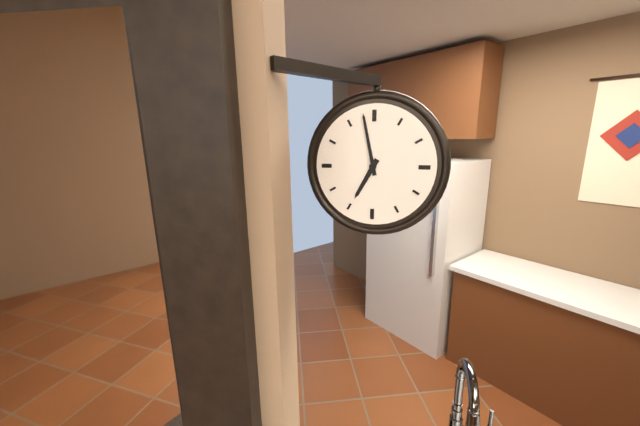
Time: **6:58**
